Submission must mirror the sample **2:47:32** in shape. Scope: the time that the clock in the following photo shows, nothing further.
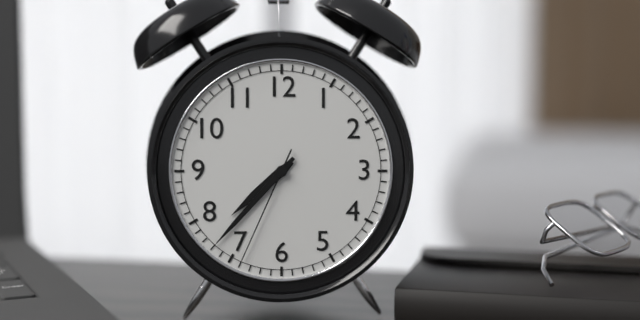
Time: **7:37:34**
